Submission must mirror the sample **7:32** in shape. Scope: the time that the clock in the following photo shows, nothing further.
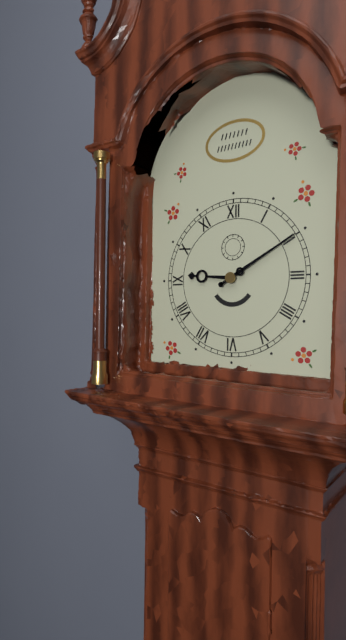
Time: **9:10**
